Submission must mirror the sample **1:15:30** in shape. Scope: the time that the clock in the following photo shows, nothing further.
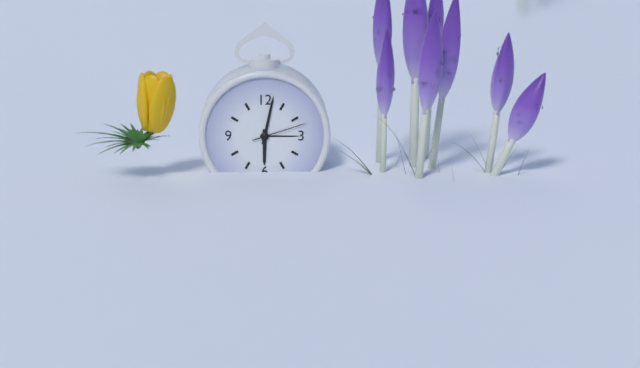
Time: **6:02:12**
